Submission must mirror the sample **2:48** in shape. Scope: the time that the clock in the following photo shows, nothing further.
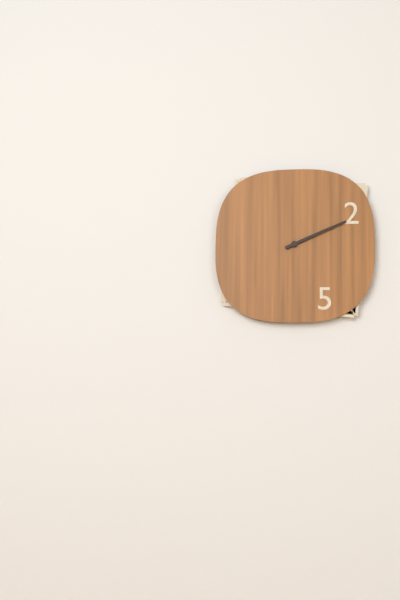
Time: **2:11**
